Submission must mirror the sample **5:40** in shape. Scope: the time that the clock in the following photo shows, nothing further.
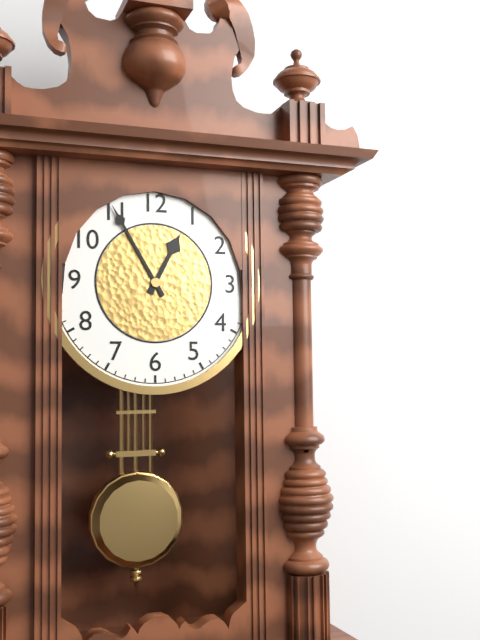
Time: **12:55**
